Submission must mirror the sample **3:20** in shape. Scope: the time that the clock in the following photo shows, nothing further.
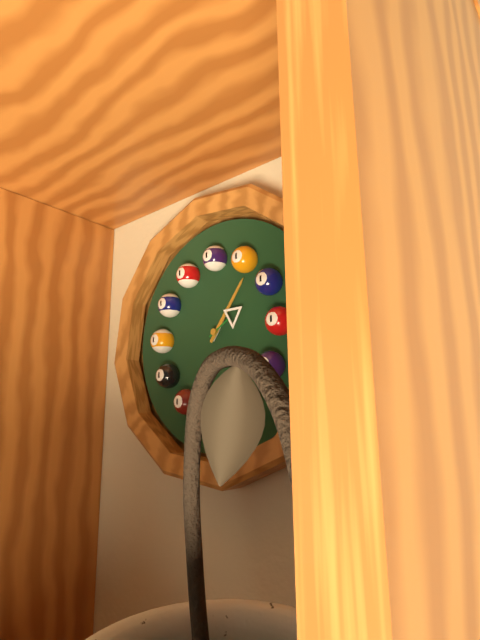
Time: **1:06**
